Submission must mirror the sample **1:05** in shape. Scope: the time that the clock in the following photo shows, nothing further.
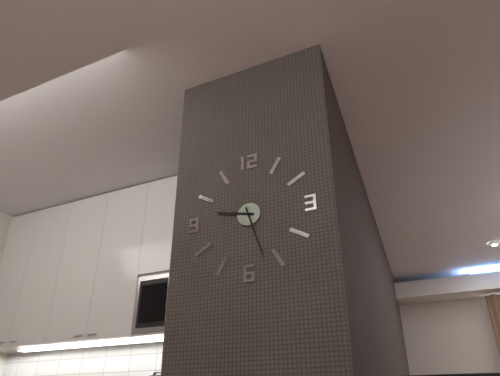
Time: **9:27**
